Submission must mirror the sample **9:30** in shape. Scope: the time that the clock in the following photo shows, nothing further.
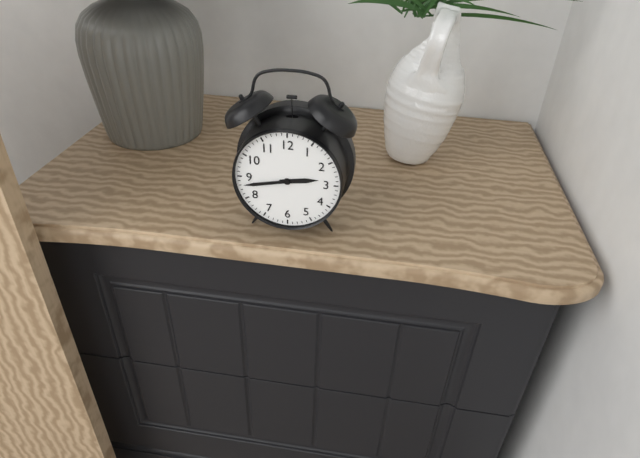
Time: **2:43**
